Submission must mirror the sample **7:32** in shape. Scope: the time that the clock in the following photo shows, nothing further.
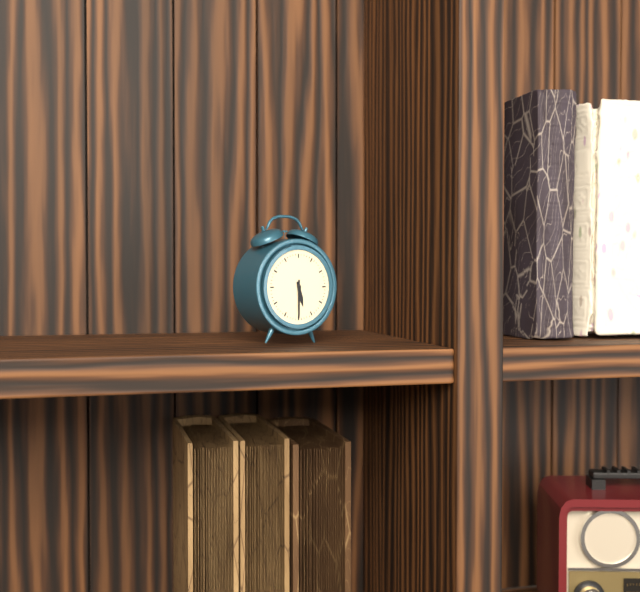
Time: **5:30**
